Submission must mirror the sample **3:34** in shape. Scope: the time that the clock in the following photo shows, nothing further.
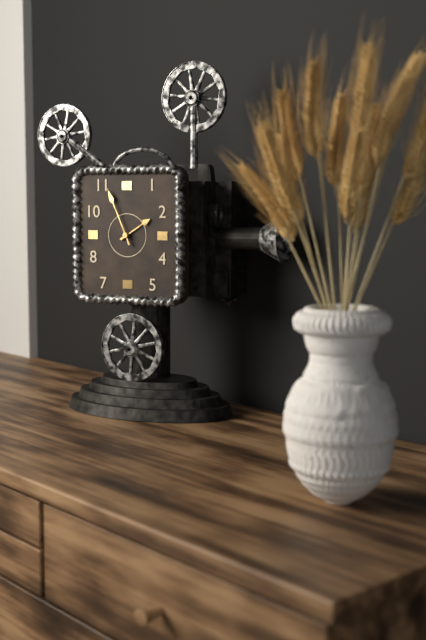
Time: **1:56**
